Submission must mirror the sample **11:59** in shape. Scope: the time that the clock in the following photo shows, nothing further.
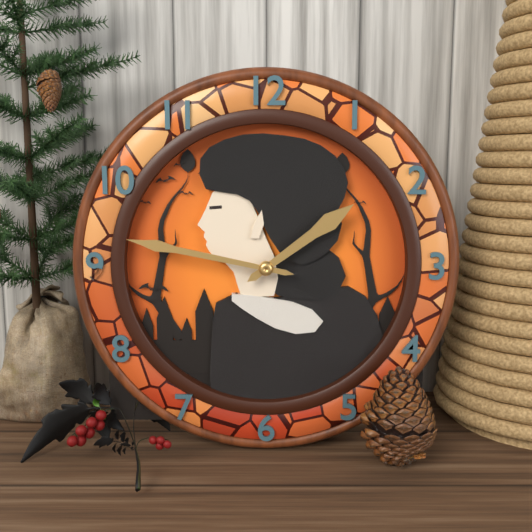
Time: **1:47**
